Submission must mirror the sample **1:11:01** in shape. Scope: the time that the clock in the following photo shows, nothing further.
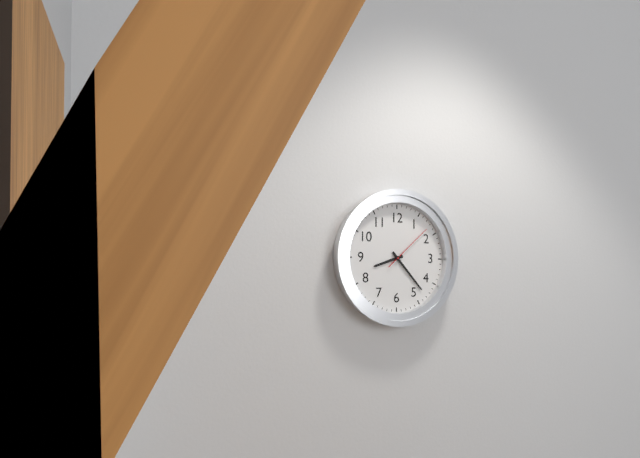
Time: **8:23:08**
